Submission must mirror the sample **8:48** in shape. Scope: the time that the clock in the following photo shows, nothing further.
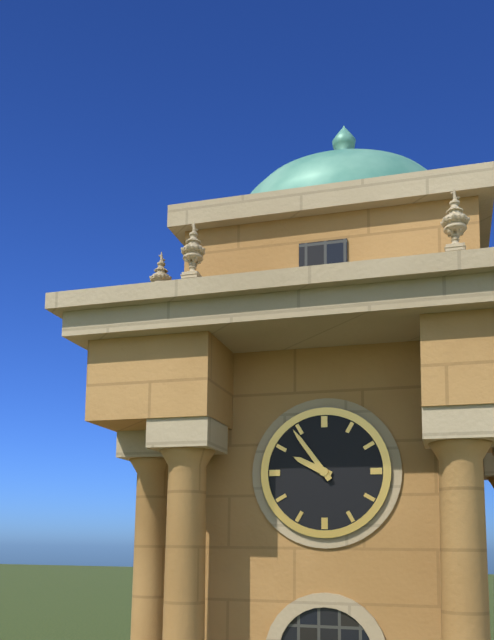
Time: **9:54**
